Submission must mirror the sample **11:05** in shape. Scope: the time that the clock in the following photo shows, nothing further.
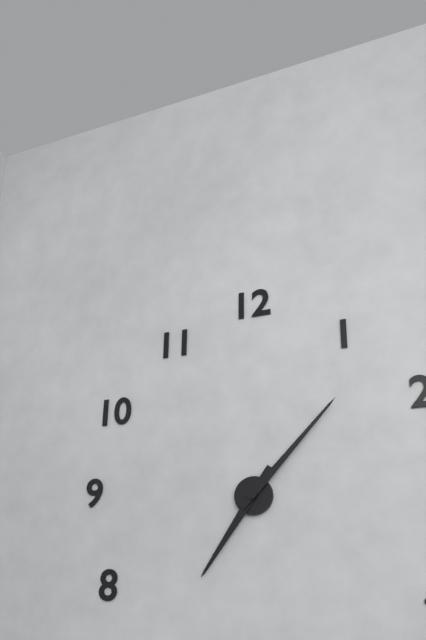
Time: **7:07**
